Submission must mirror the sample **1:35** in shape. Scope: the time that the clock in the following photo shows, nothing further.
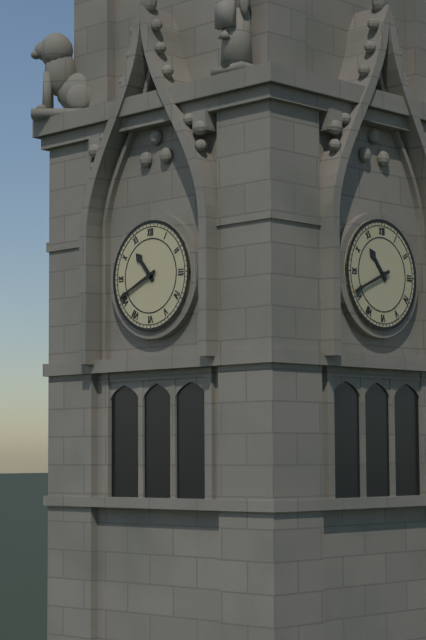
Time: **10:41**
